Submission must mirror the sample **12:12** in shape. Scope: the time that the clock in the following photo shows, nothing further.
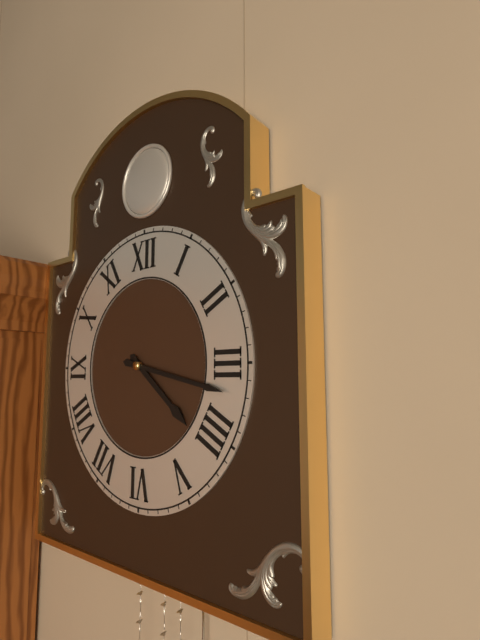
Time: **4:17**
